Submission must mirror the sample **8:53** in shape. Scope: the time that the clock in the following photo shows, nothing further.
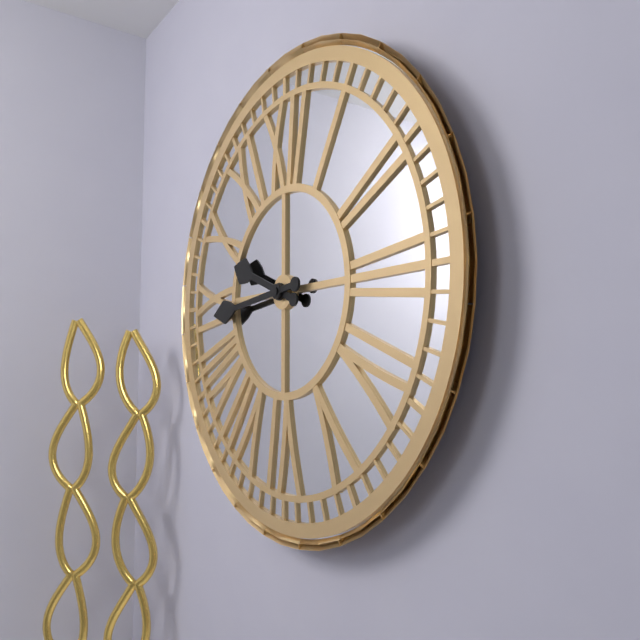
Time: **9:44**
